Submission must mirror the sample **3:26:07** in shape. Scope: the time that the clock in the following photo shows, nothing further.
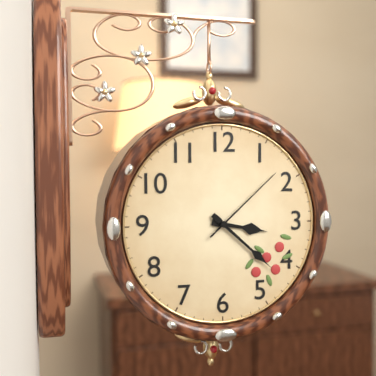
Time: **3:22:08**
